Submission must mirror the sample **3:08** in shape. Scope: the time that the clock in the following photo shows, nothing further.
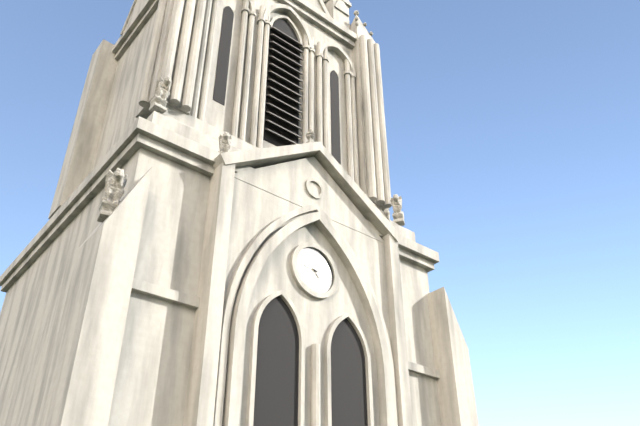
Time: **4:47**
